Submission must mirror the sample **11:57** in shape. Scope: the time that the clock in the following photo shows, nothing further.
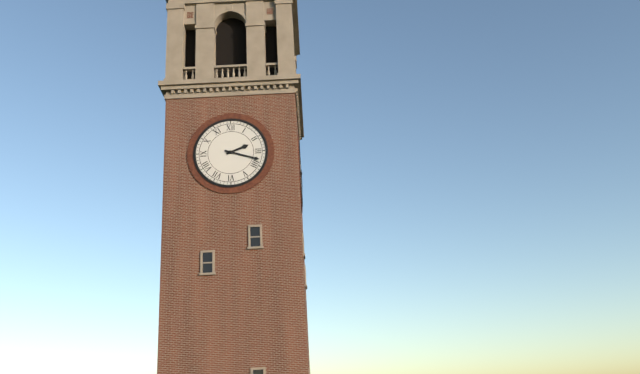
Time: **2:18**
